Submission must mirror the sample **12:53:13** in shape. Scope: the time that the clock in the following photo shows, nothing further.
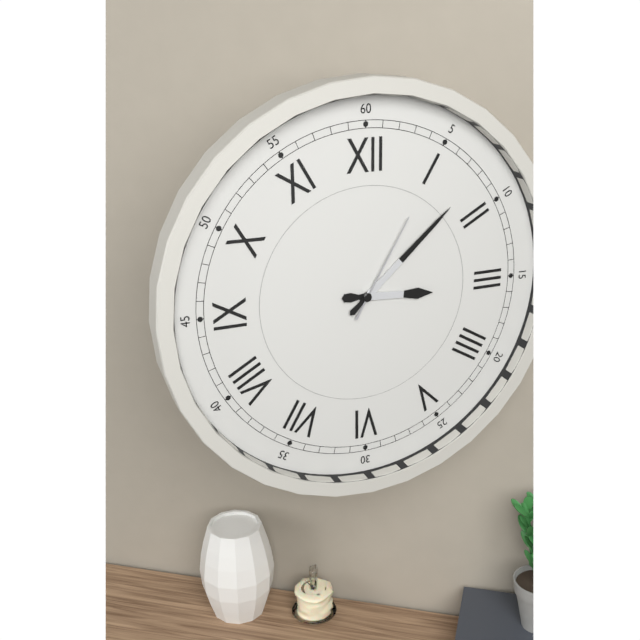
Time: **3:08:05**
